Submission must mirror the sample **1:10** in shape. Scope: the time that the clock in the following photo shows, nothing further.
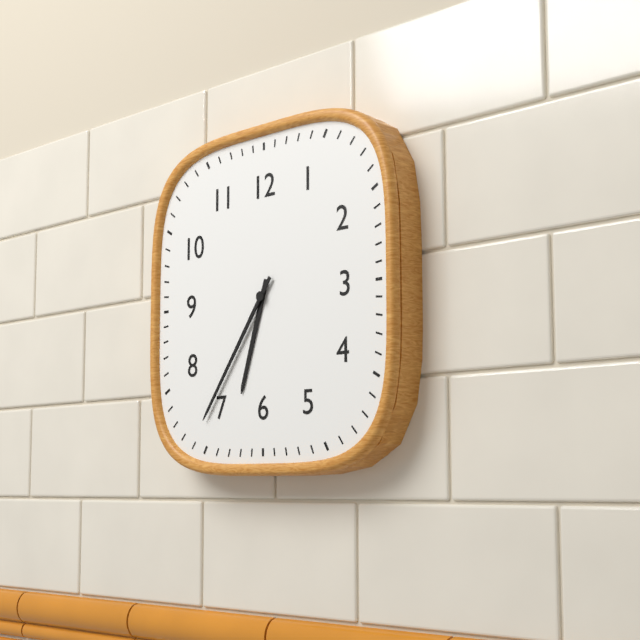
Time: **6:36**
